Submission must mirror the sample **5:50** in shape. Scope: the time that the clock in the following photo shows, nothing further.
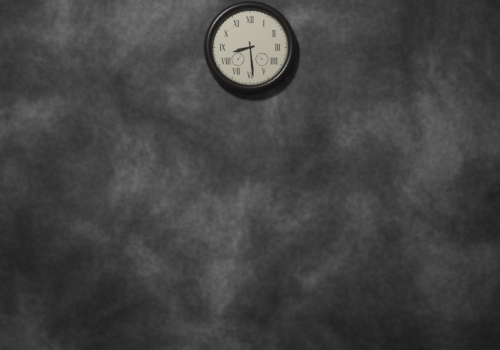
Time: **8:29**
